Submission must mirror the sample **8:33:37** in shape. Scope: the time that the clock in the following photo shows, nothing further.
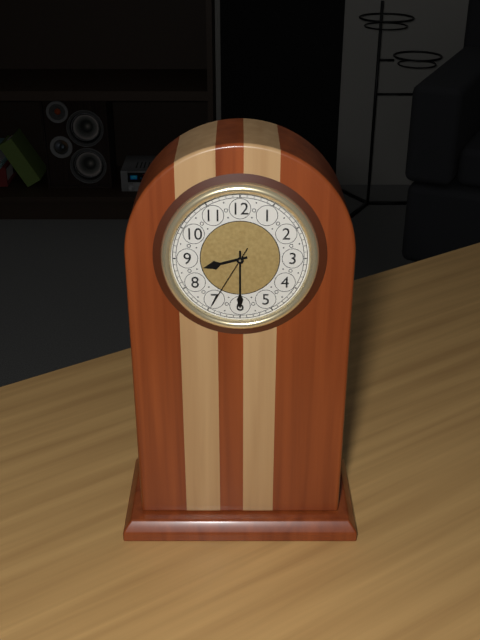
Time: **8:30:35**
